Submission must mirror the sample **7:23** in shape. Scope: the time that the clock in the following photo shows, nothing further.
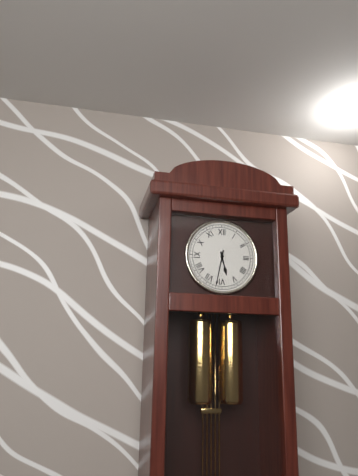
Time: **5:32**
